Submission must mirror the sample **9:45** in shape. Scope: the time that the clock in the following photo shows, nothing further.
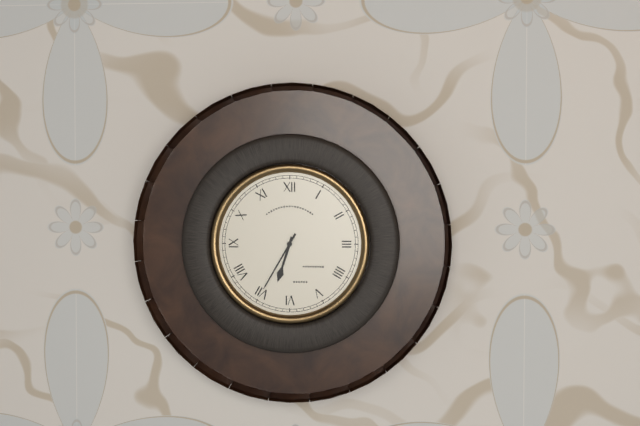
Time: **6:35**
